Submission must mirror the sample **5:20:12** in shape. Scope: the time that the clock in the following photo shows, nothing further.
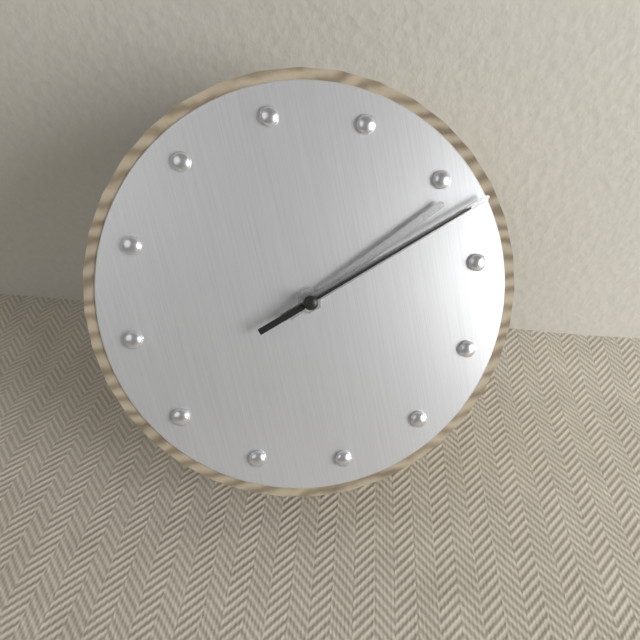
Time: **2:12:12**
